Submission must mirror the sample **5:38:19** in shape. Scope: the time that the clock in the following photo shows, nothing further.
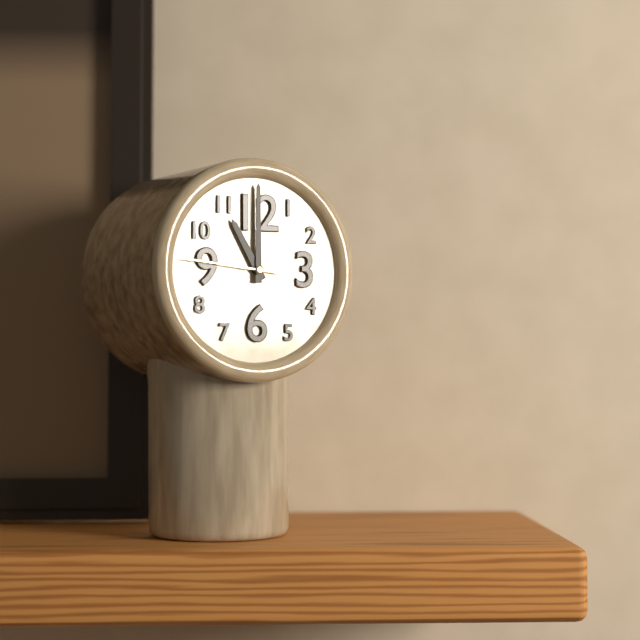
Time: **11:00:46**
